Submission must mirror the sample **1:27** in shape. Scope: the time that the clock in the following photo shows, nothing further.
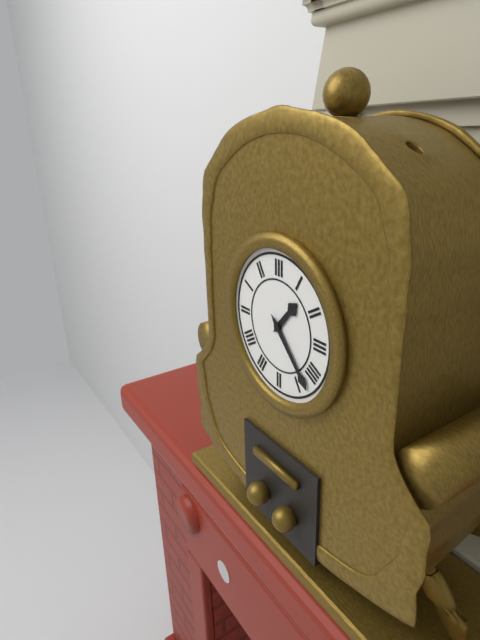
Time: **1:23**
